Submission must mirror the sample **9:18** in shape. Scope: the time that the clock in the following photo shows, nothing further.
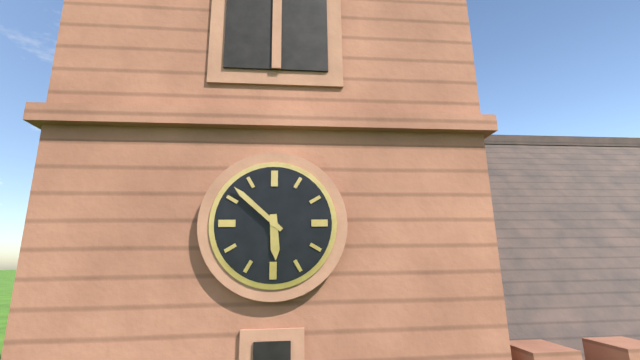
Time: **5:52**
